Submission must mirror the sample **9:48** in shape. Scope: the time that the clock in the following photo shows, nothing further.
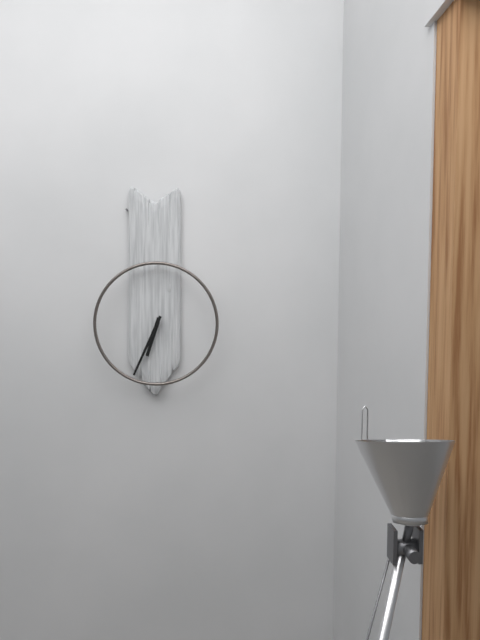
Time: **6:34**
